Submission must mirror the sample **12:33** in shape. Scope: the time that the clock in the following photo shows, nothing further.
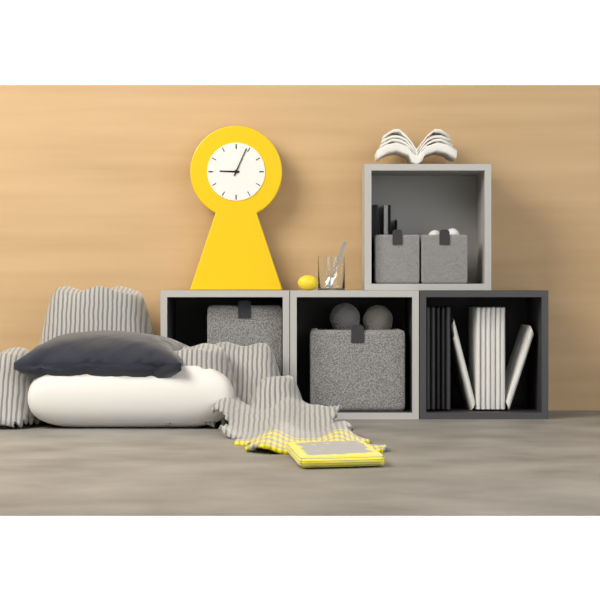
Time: **9:04**
